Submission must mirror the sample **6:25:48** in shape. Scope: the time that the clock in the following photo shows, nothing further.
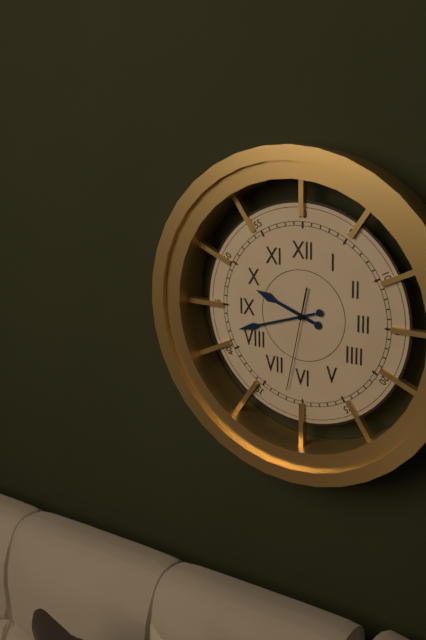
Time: **9:42:32**
